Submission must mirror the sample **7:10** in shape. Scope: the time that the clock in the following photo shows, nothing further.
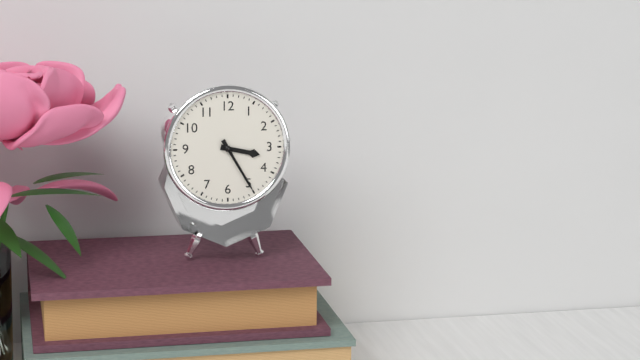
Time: **3:25**
